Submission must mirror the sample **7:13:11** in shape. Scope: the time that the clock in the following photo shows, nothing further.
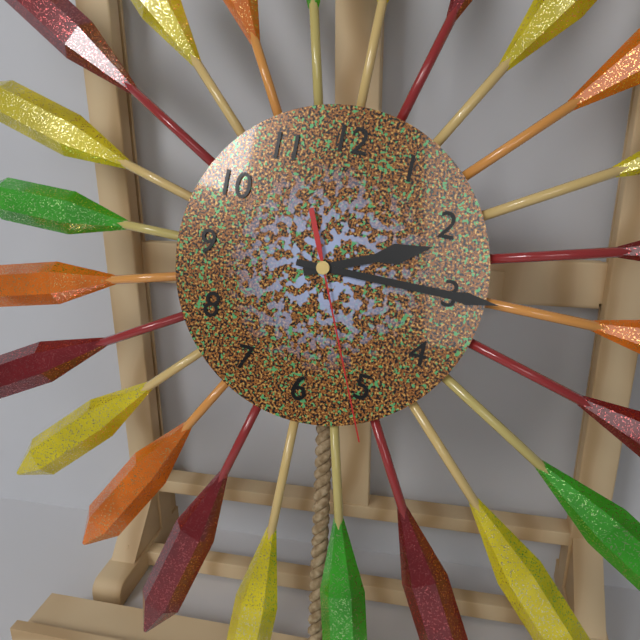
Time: **2:15:26**
